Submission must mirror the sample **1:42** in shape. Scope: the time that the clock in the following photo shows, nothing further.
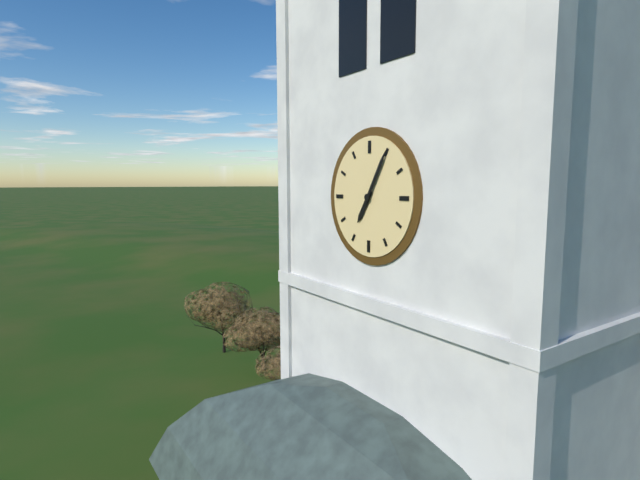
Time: **7:05**
